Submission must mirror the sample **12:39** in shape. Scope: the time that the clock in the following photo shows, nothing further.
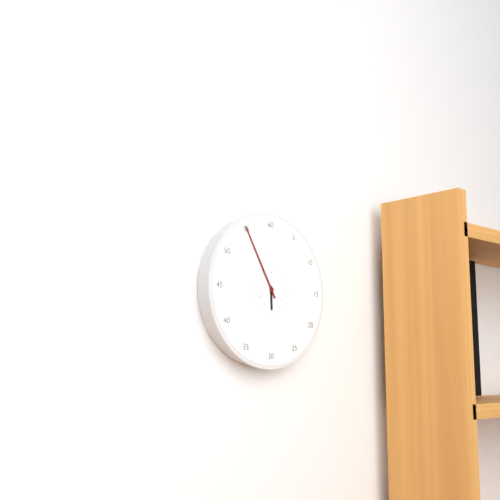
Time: **5:55**
